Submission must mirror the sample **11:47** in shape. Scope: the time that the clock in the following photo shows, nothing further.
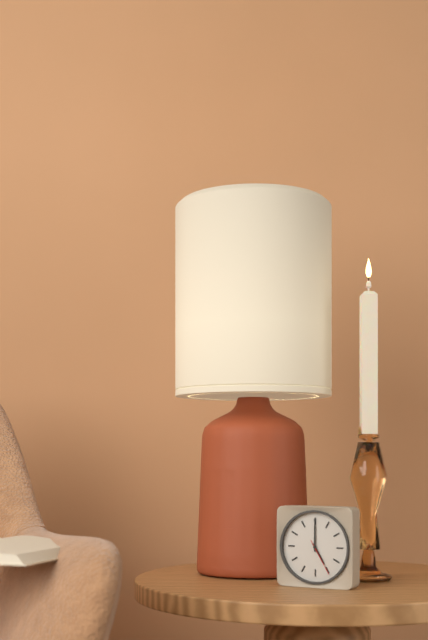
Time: **5:00**
